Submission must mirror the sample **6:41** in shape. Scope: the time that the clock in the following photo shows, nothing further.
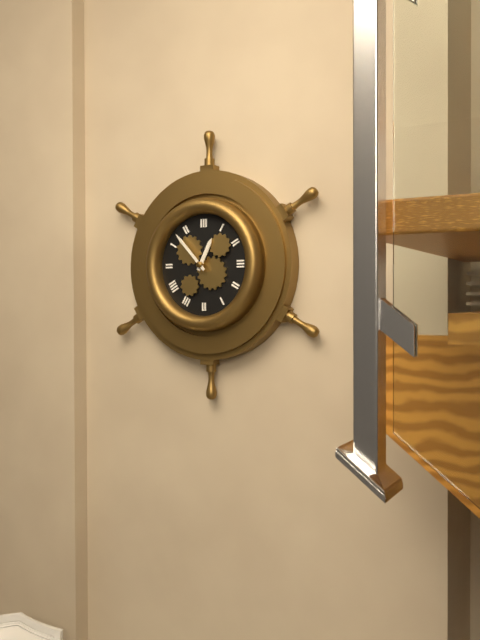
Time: **12:53**
